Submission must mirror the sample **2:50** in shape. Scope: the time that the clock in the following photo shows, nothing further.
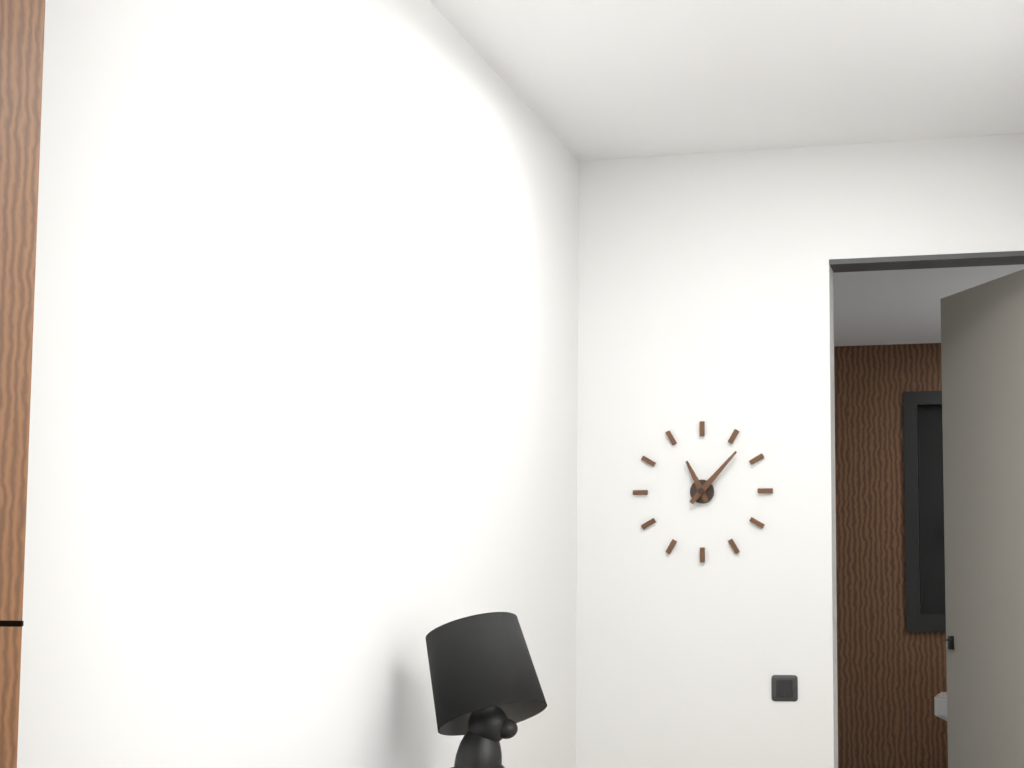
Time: **11:07**
